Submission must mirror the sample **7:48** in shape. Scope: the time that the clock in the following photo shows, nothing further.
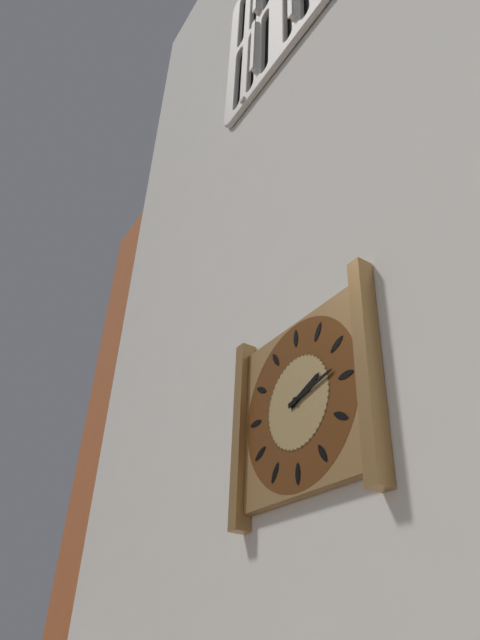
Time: **2:13**
